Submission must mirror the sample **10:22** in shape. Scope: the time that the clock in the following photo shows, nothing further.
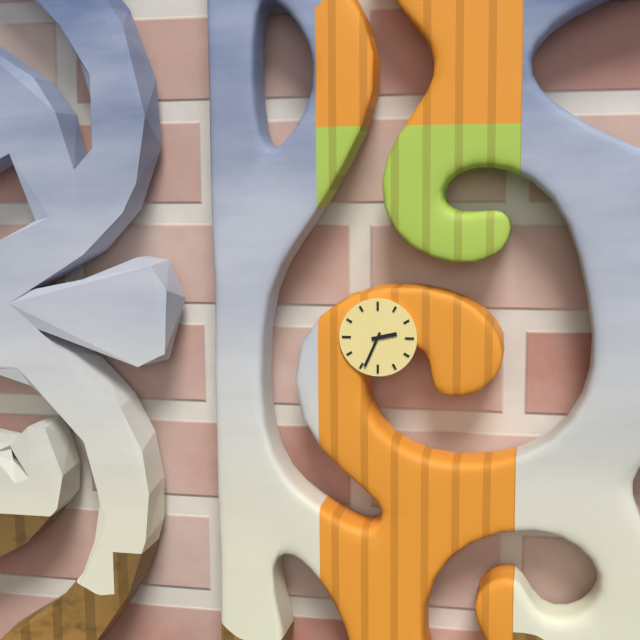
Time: **2:34**
